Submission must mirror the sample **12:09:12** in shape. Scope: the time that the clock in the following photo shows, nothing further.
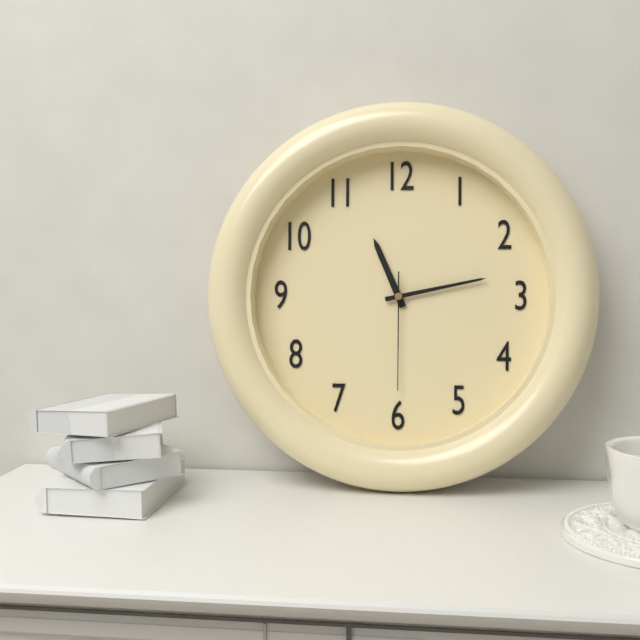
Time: **11:13:30**
